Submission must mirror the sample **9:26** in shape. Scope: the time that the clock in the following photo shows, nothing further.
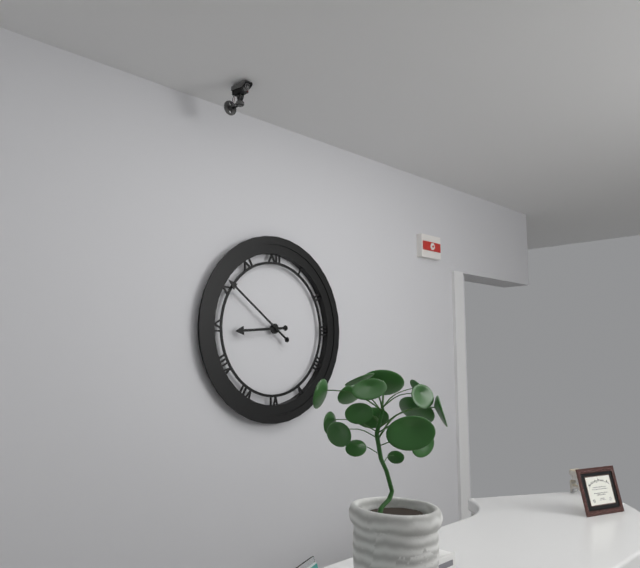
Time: **8:51**
